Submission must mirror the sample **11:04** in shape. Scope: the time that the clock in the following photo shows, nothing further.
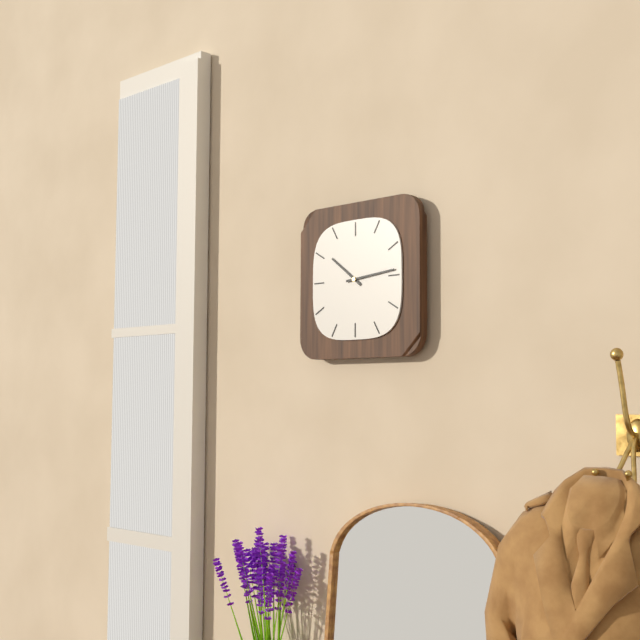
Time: **10:14**
